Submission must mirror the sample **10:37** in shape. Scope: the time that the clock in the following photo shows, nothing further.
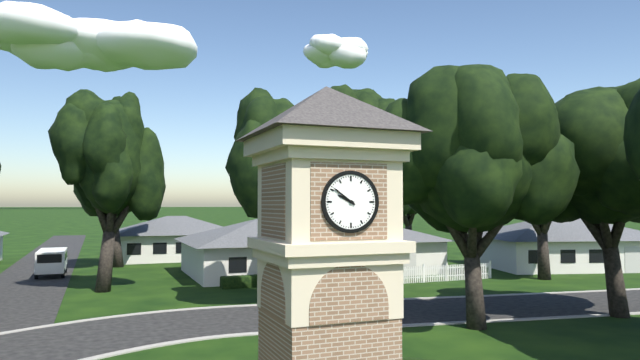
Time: **9:51**
